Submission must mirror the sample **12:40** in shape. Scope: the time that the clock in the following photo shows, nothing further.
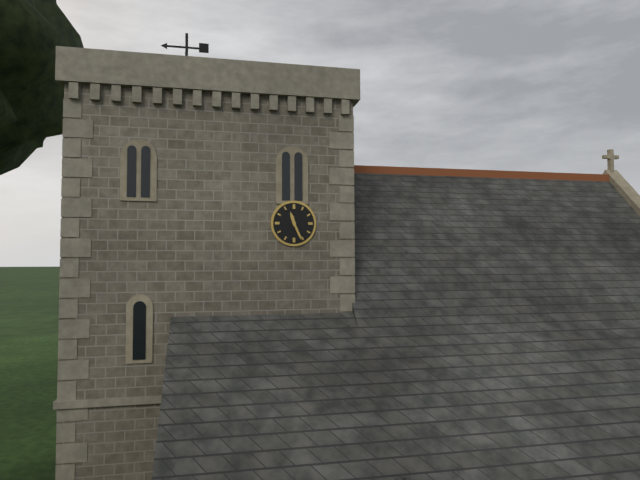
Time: **11:26**
